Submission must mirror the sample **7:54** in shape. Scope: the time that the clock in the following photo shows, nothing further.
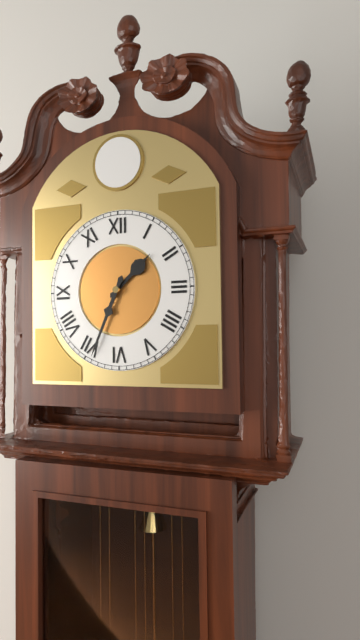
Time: **1:34**
